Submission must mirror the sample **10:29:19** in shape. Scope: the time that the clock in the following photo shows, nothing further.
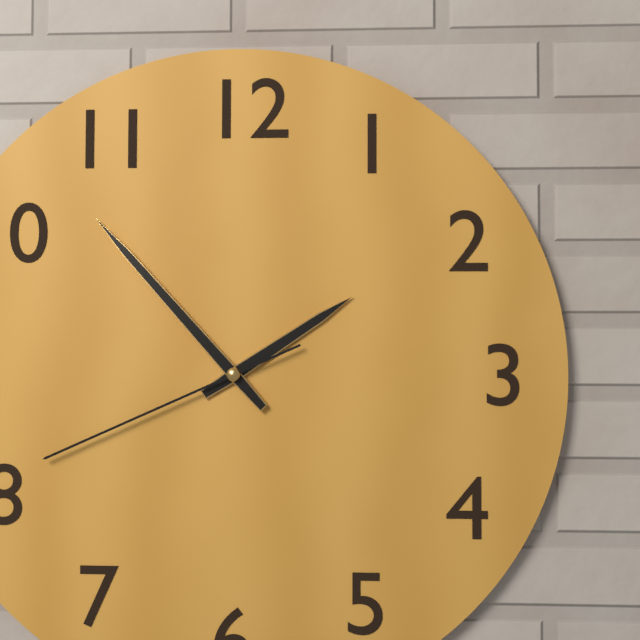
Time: **1:53:41**
